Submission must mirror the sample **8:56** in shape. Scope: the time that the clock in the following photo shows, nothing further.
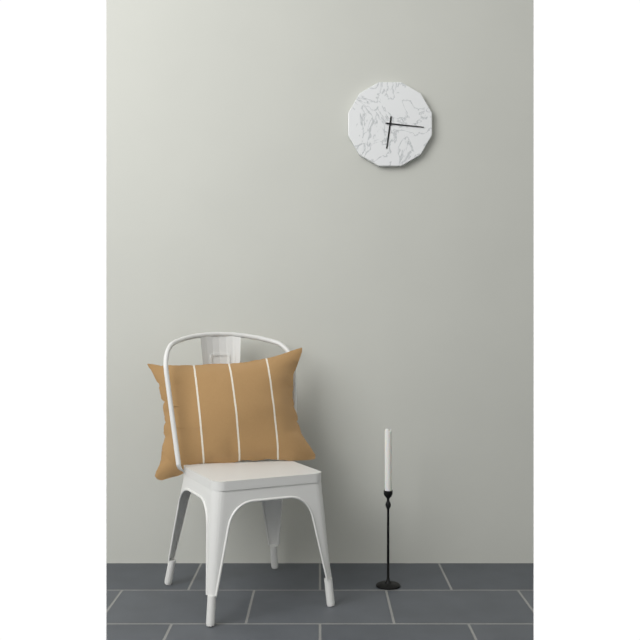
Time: **6:16**
